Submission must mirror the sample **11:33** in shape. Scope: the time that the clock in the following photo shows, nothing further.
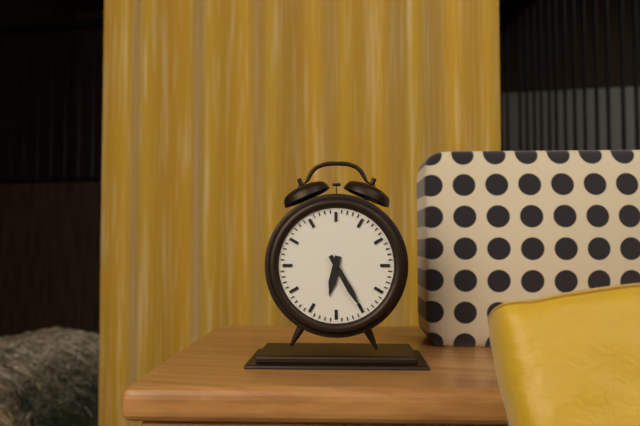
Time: **6:25**
